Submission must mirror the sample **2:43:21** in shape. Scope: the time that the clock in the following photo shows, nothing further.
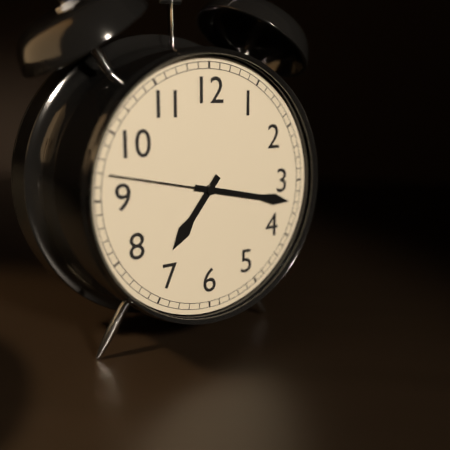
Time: **7:17:47**
